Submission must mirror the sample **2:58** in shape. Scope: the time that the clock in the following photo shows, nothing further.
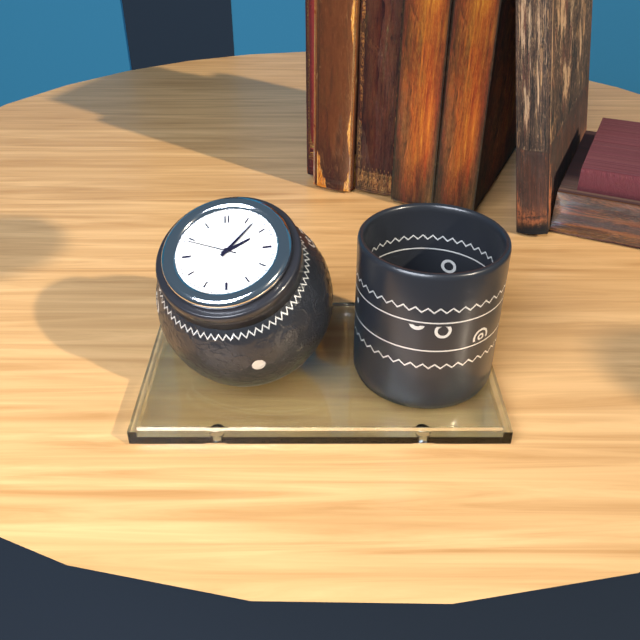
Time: **2:07**
